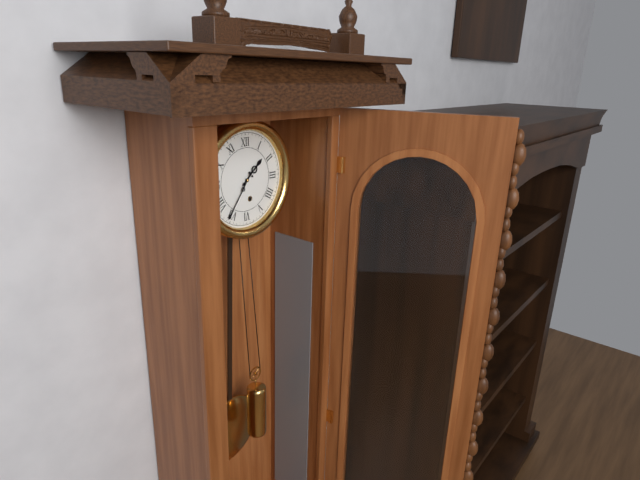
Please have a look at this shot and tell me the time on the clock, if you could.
1:36
